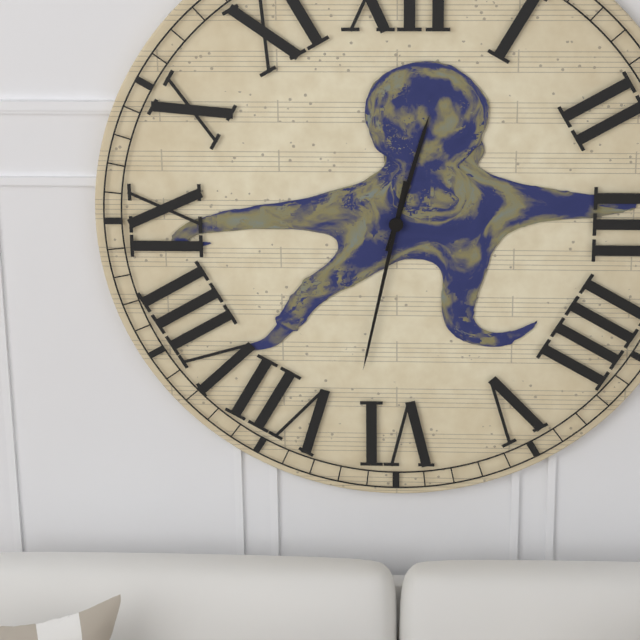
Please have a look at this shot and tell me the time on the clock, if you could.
12:32
